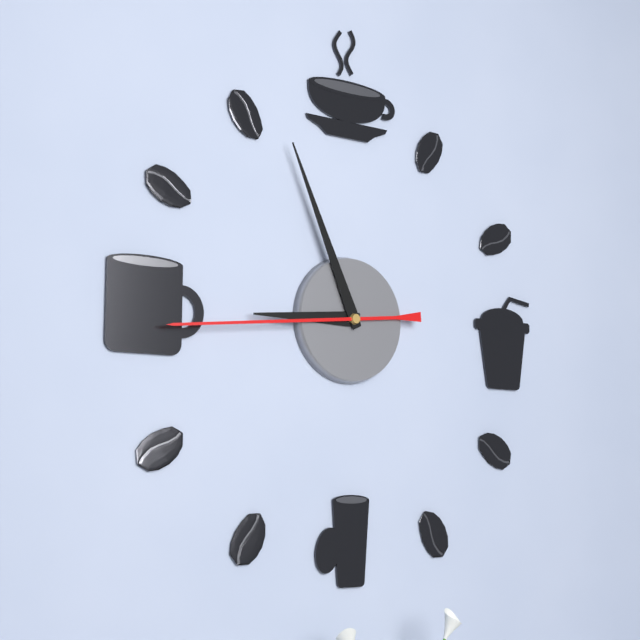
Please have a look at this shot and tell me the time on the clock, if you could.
8:56:44
